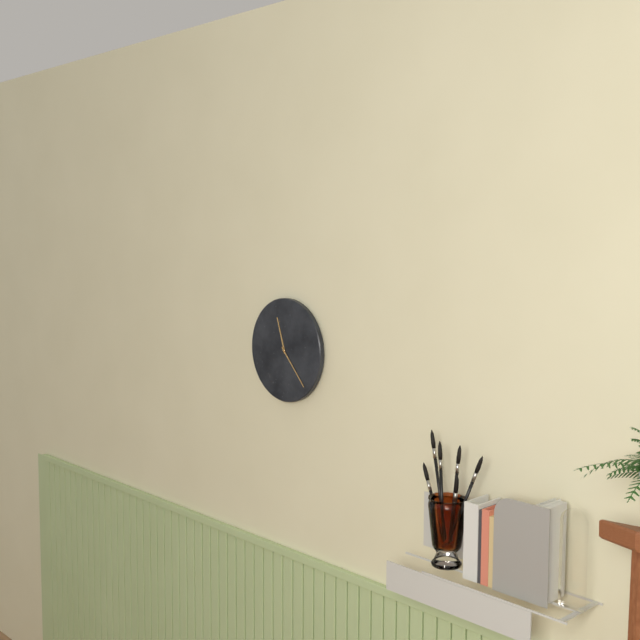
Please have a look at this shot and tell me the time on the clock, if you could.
11:23
